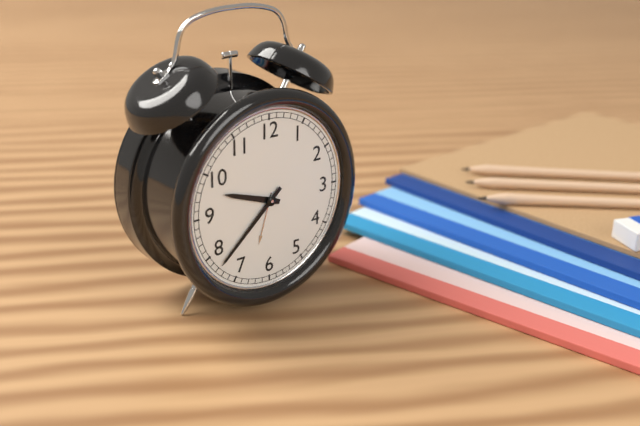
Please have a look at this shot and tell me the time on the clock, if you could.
9:38
